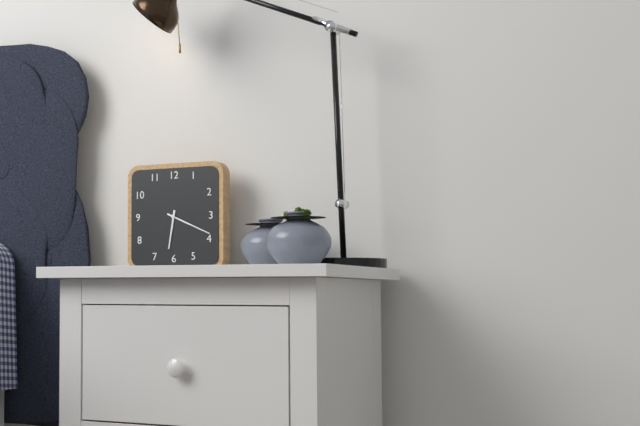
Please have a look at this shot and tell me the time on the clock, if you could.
6:19
